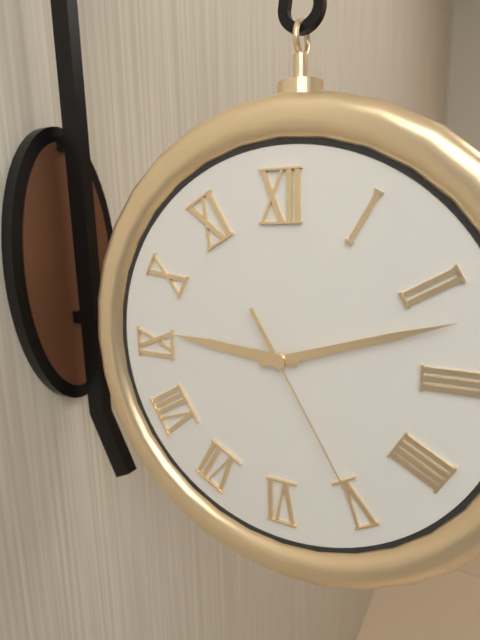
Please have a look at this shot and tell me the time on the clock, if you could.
9:12:25
